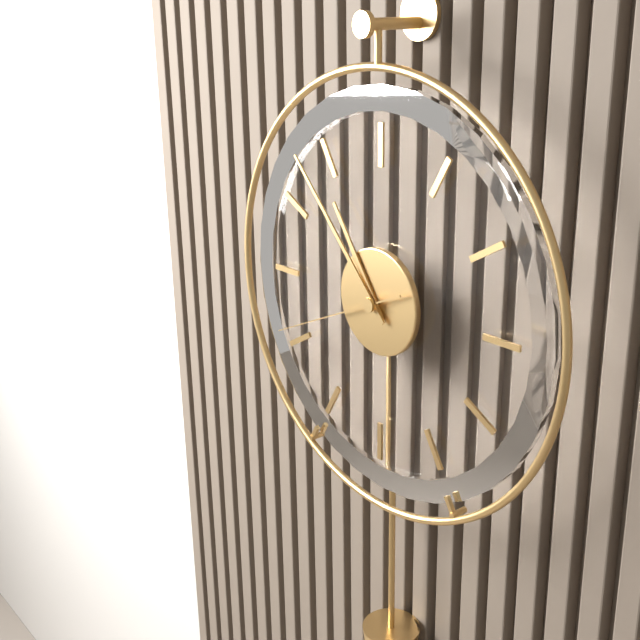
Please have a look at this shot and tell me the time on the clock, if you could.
10:53:41
